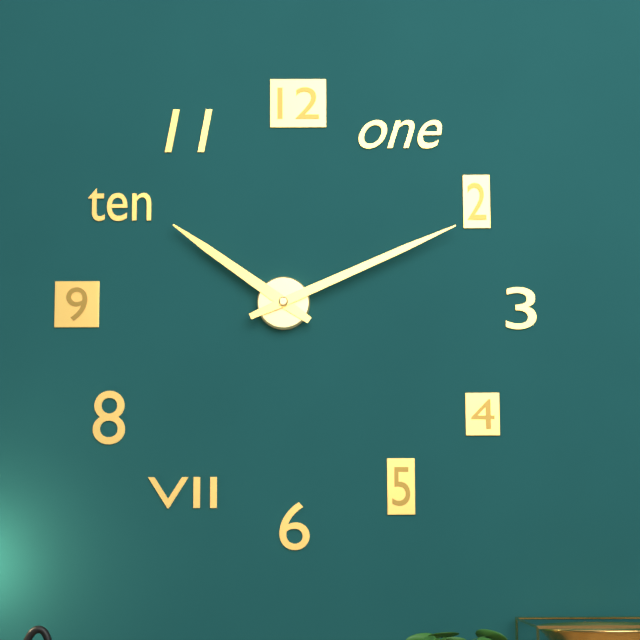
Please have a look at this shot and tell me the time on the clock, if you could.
10:11
